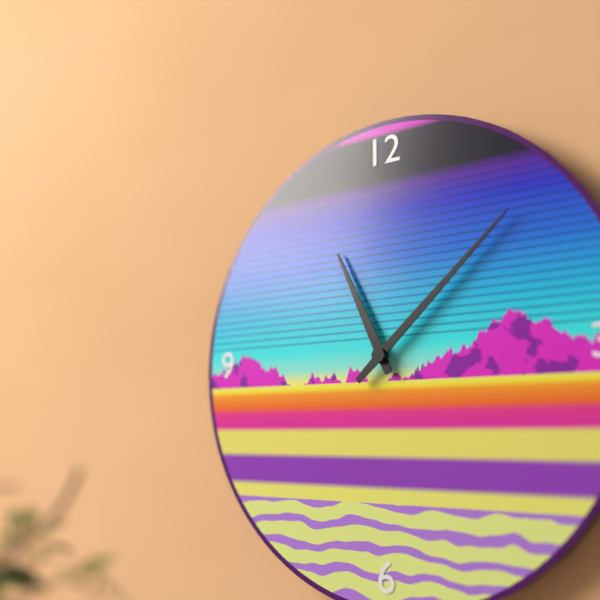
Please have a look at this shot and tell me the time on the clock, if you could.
11:08
